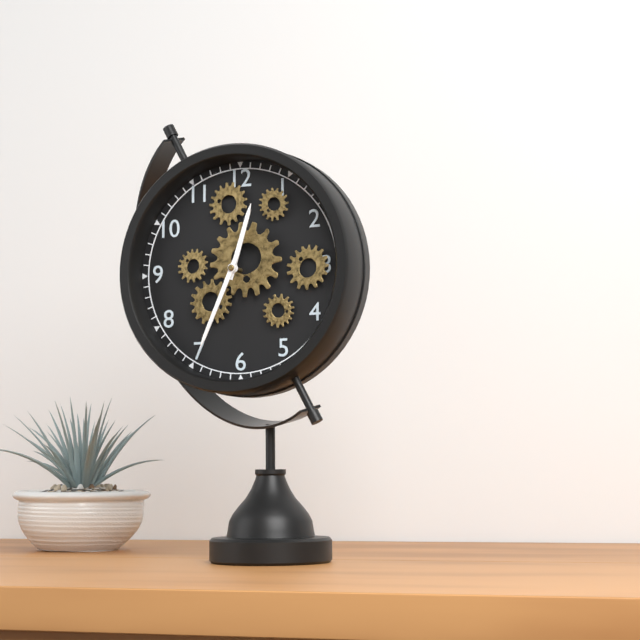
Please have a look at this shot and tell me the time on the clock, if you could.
12:34
